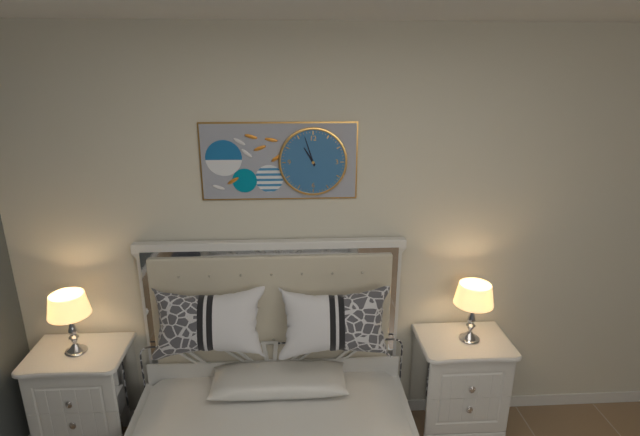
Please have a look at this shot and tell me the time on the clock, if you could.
10:57
